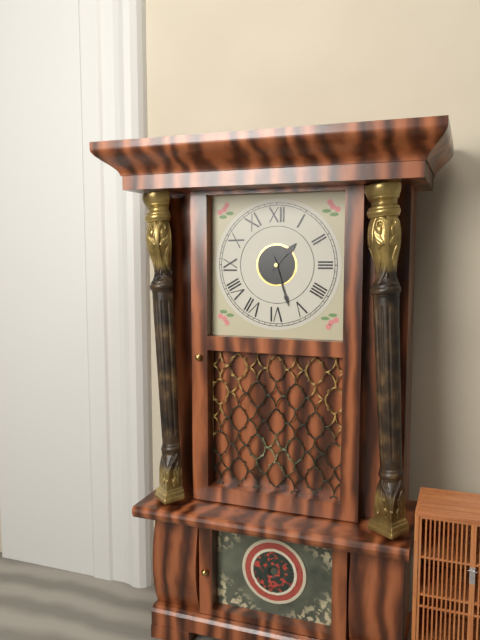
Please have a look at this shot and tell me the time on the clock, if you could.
1:27
